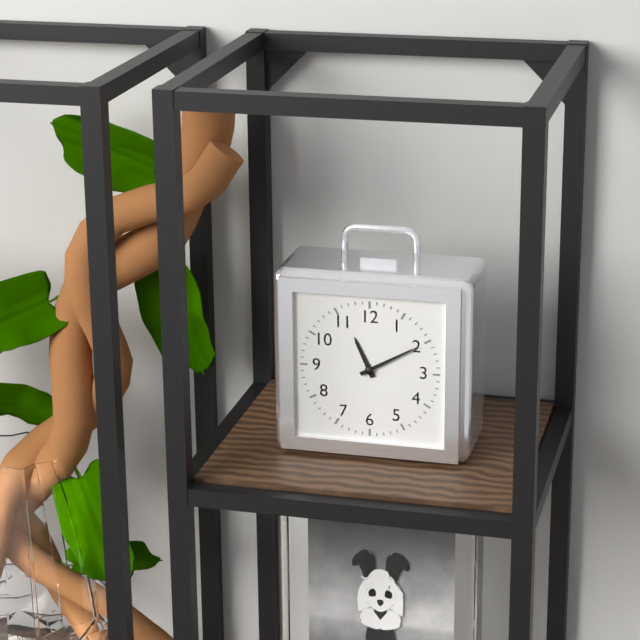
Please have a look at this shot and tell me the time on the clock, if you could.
11:10
